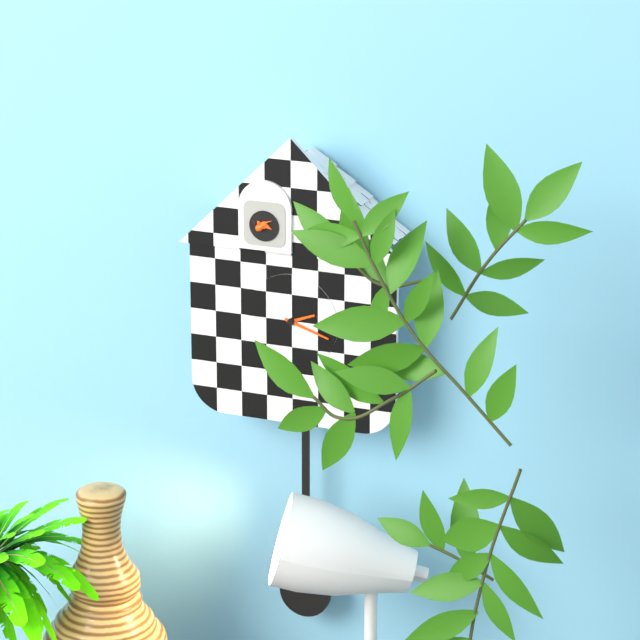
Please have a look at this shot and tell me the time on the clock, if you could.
2:18
